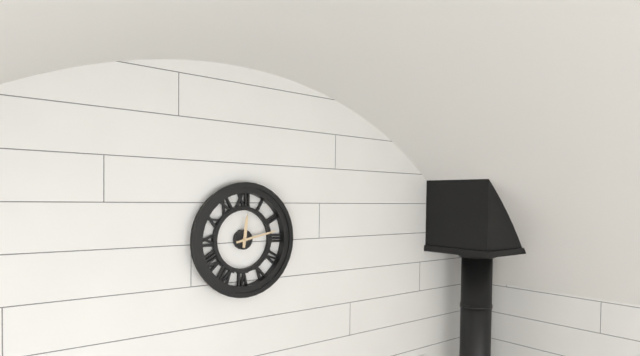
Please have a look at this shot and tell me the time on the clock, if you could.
12:13
